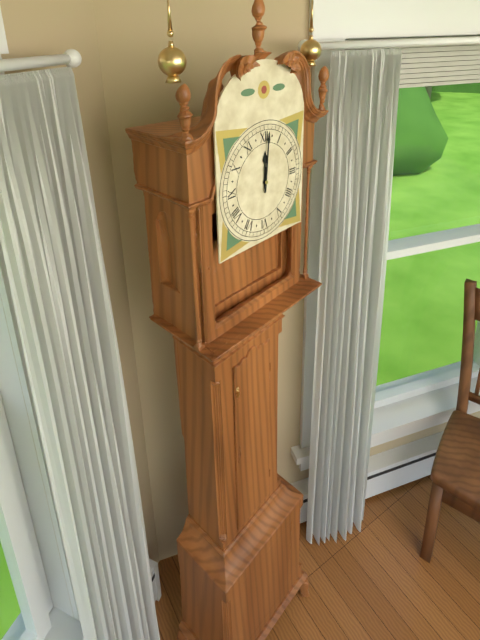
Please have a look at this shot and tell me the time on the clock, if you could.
12:01
